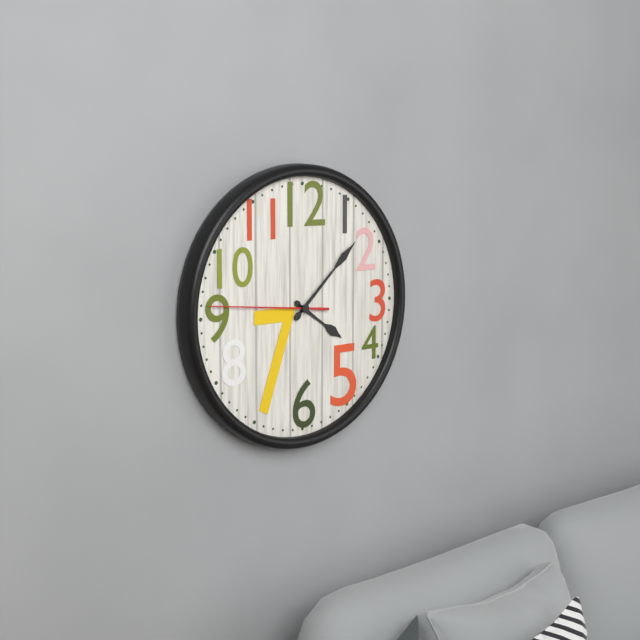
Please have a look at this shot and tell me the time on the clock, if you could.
4:08:46
